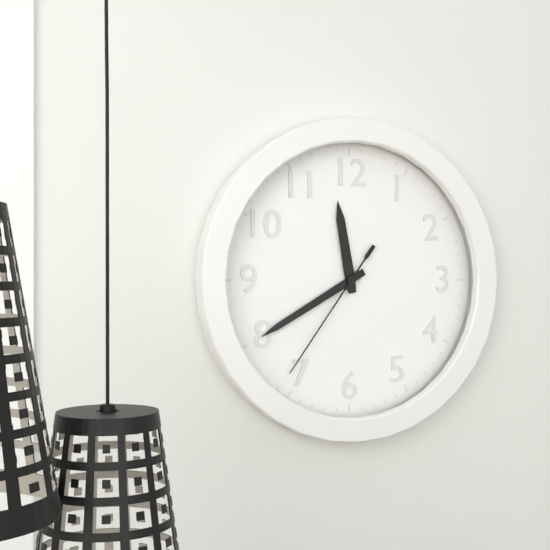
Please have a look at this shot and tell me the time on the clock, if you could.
11:40:36
